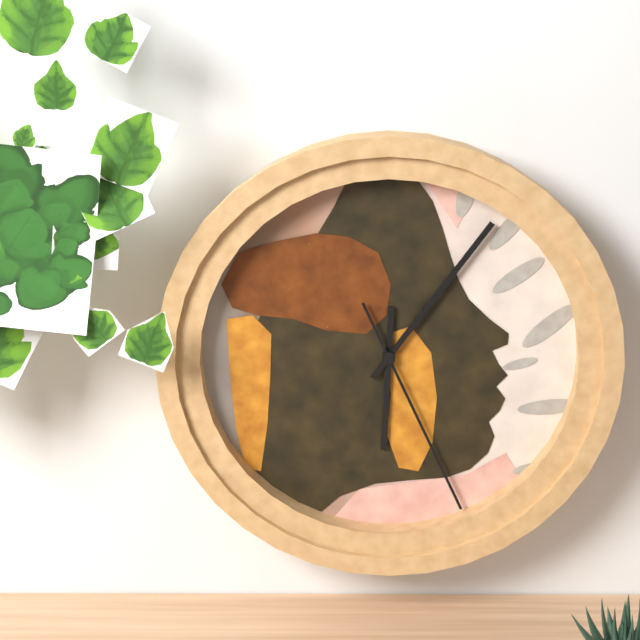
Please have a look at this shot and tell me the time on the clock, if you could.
6:06:26
